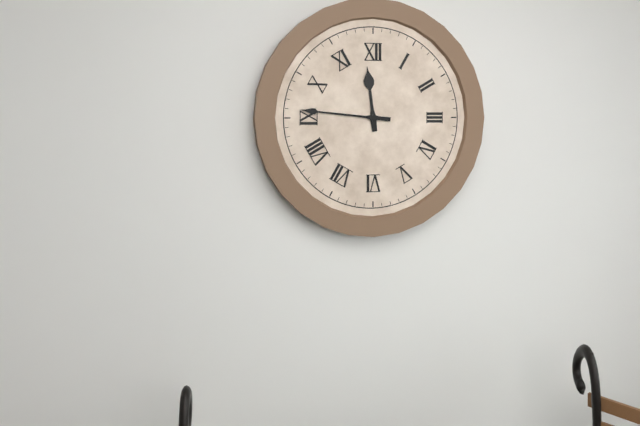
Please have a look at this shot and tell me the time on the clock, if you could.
11:46
